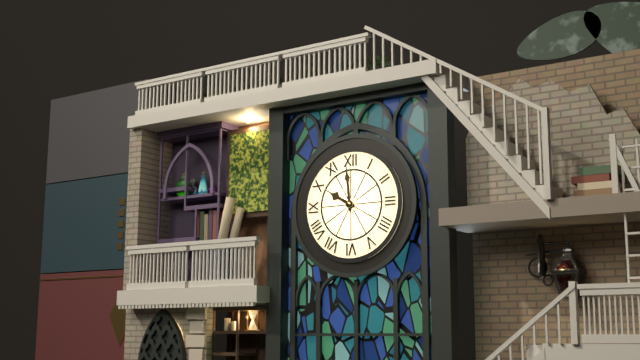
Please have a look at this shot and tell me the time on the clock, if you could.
9:59
